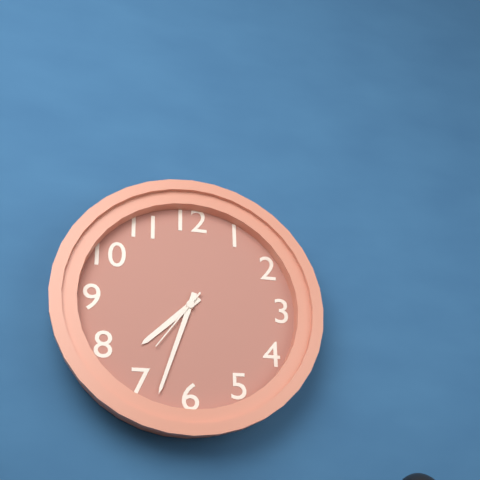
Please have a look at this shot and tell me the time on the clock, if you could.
7:33:36
